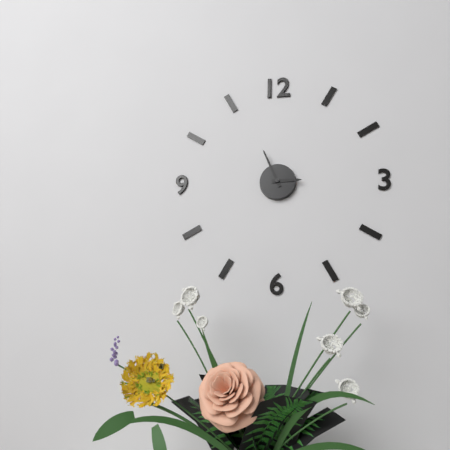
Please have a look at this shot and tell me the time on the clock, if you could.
2:56
